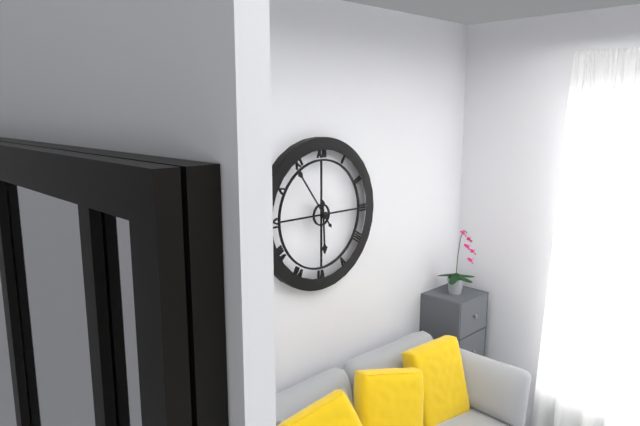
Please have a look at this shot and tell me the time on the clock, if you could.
5:54
